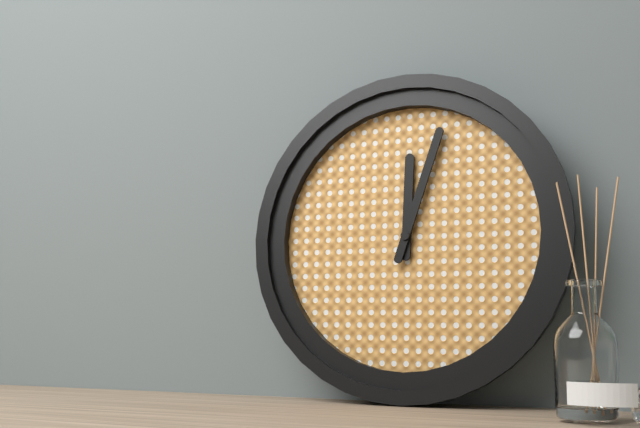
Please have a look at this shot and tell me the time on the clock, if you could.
12:03
